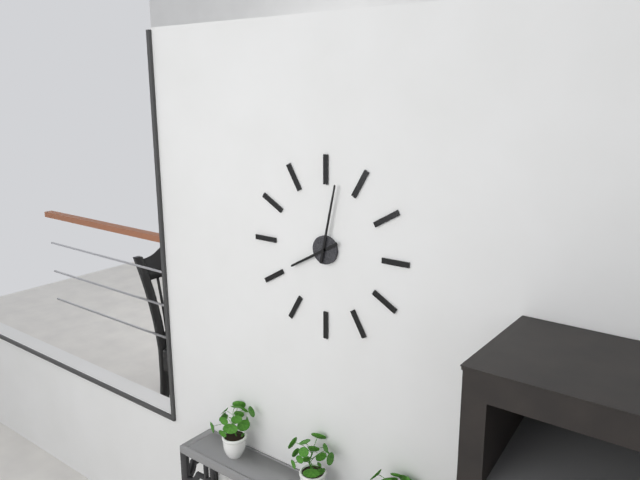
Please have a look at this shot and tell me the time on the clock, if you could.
8:02
